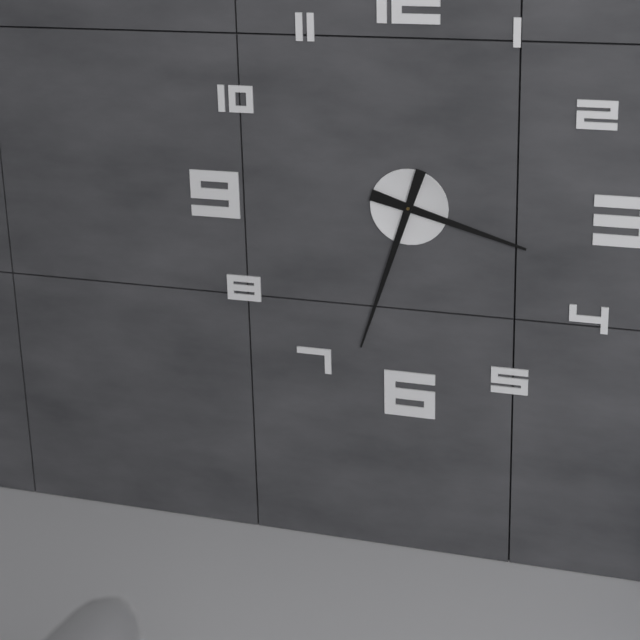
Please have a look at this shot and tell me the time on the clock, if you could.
3:33
